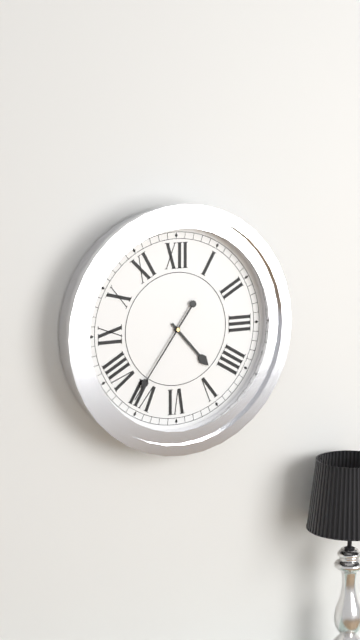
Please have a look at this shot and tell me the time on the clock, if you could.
4:36
